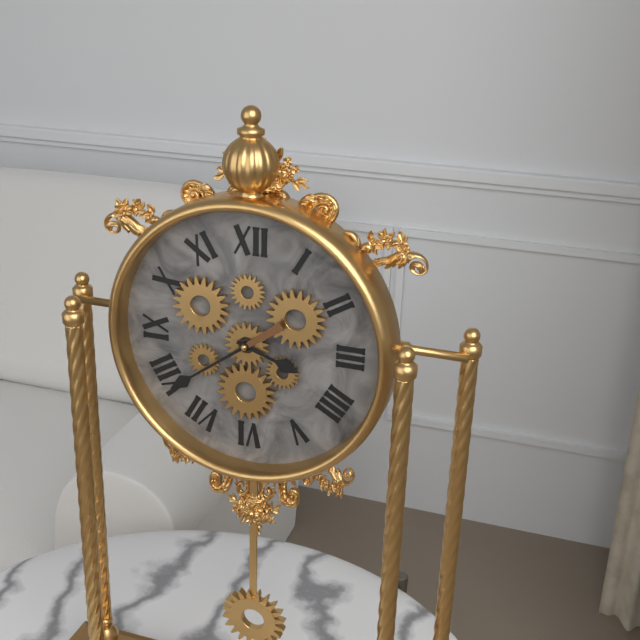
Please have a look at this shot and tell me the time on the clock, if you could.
3:39
